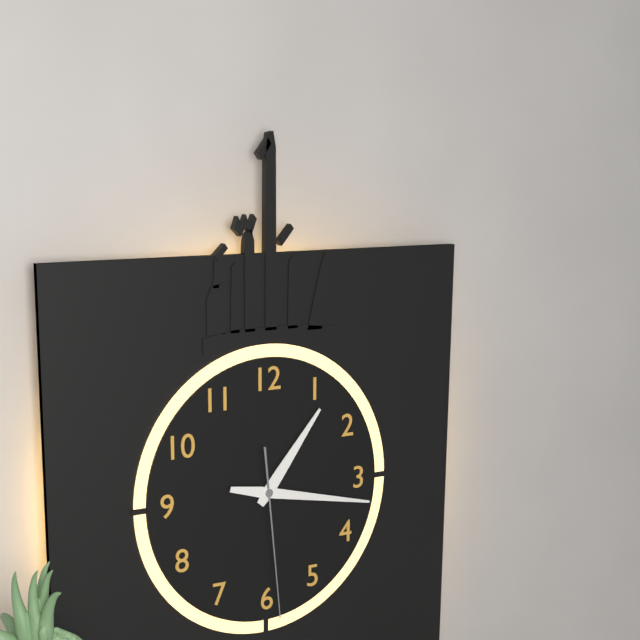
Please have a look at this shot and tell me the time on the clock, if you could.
1:17:29
